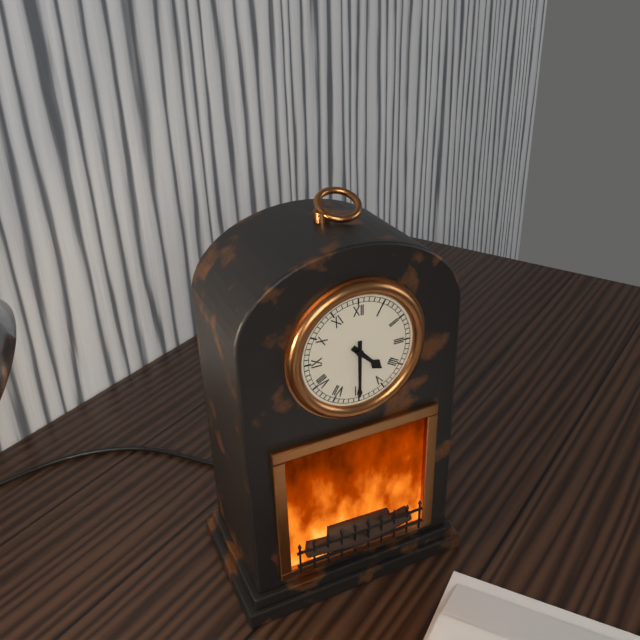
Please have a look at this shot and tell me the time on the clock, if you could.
4:30
